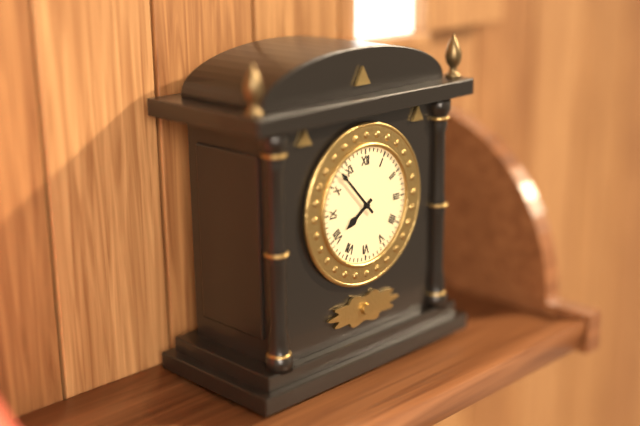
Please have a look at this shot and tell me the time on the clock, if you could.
7:53
